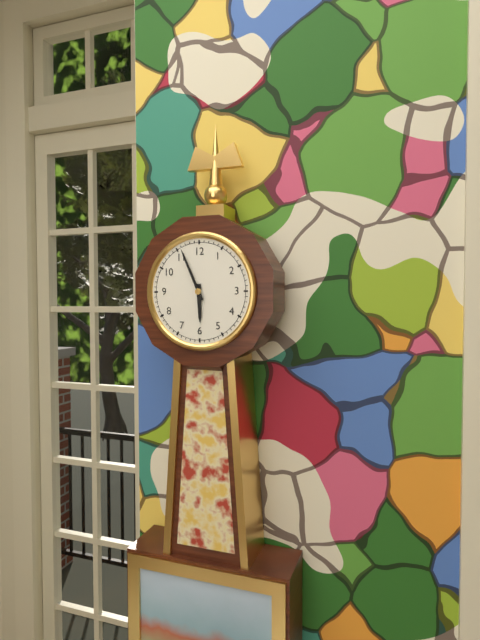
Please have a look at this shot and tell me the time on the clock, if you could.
5:56
